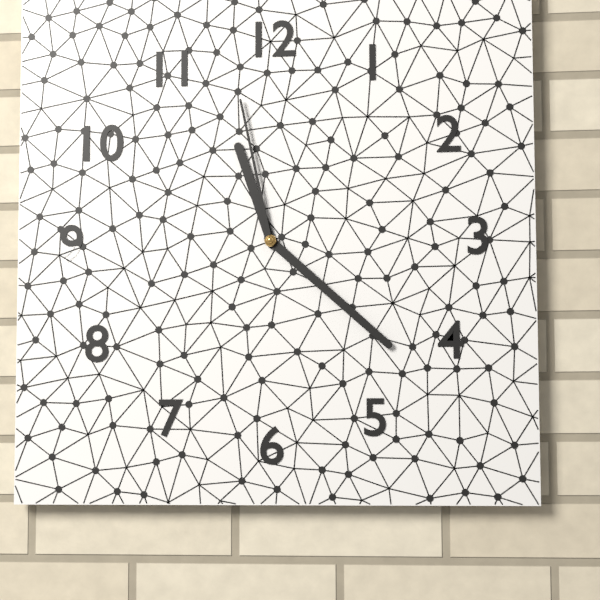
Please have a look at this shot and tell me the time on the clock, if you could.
11:22:58
